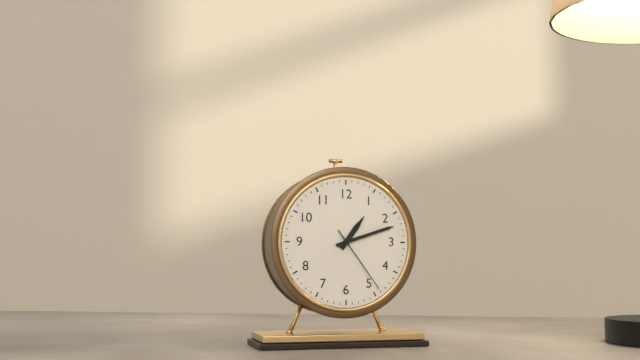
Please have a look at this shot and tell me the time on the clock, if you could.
1:12:24
